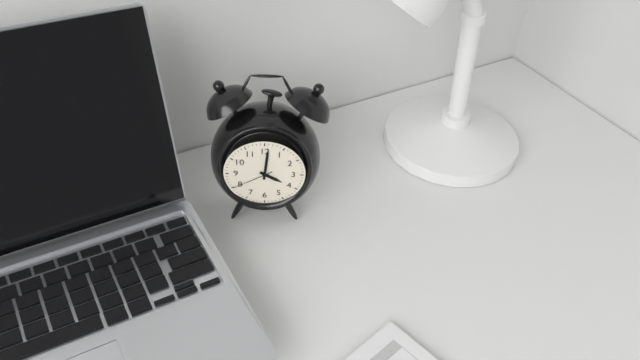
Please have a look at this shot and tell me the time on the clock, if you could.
4:01
